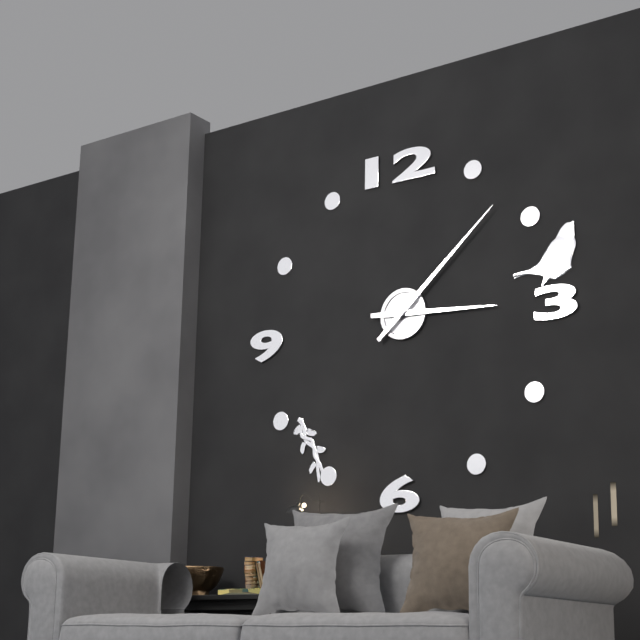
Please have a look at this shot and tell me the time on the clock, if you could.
3:08
